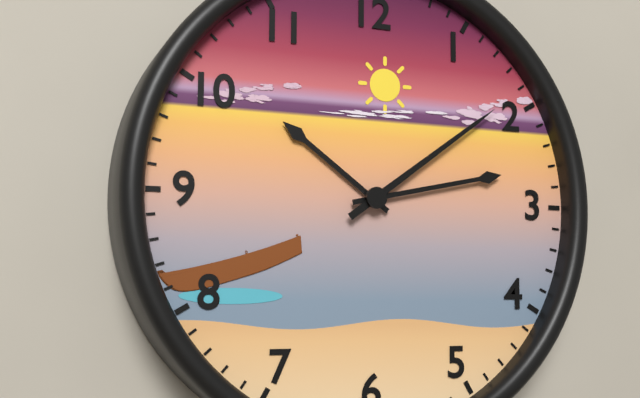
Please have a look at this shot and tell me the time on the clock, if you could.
10:13:09
